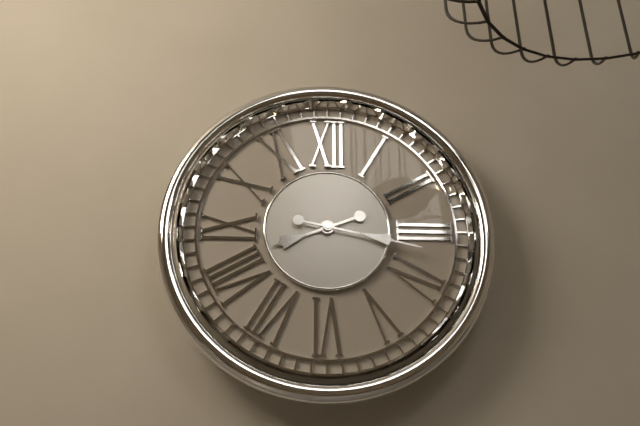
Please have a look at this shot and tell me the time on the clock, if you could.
8:17
